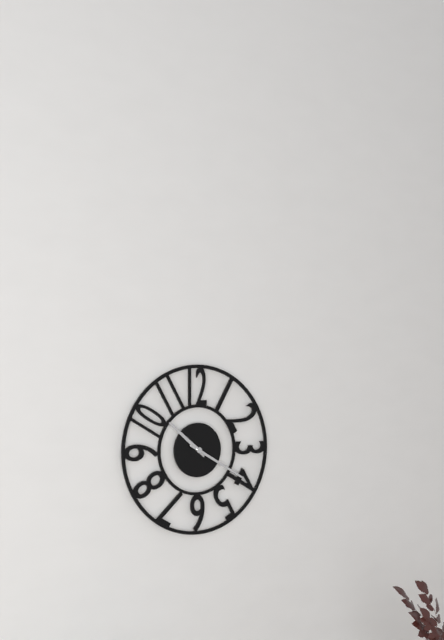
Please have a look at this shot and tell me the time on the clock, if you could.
10:20
